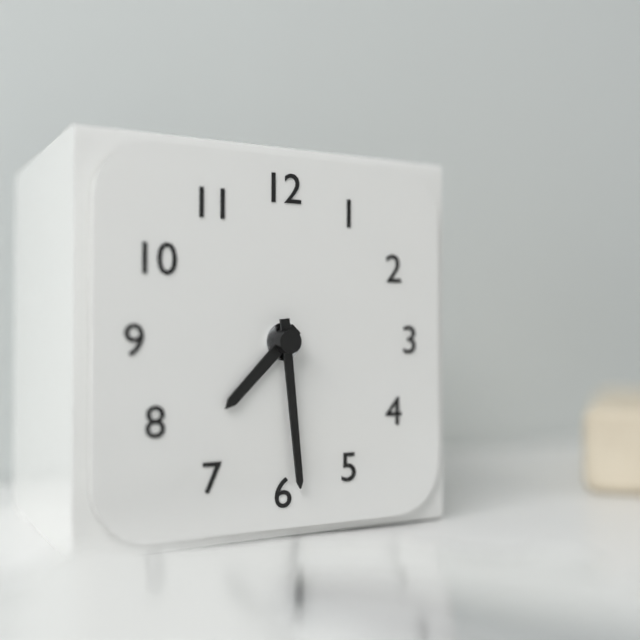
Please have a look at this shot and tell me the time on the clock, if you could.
7:29
